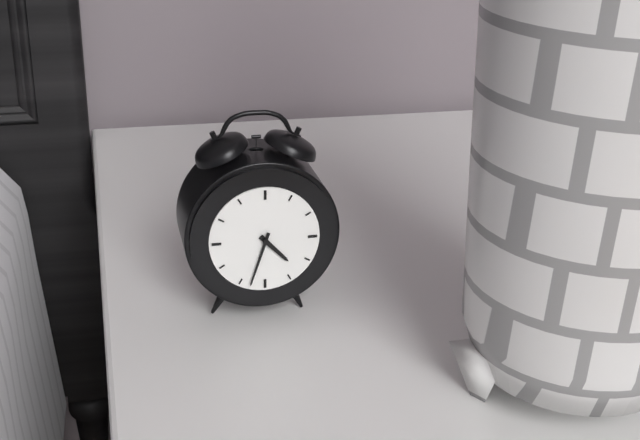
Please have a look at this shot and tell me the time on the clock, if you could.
4:33
